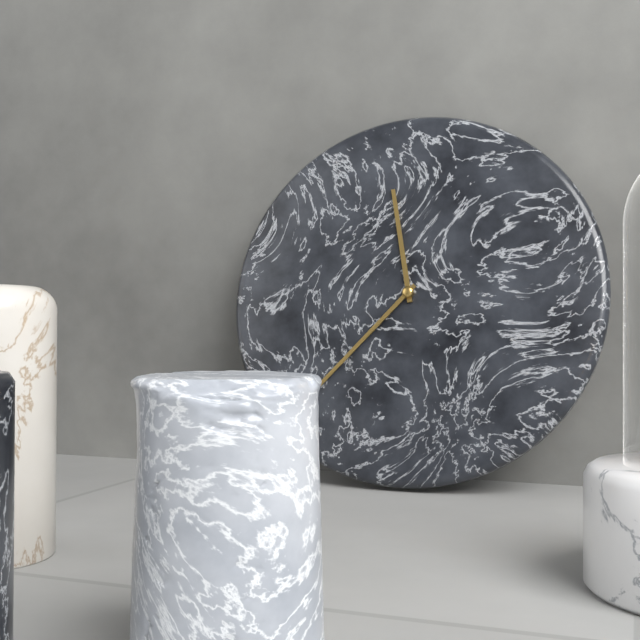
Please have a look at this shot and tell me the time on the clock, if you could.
11:37
